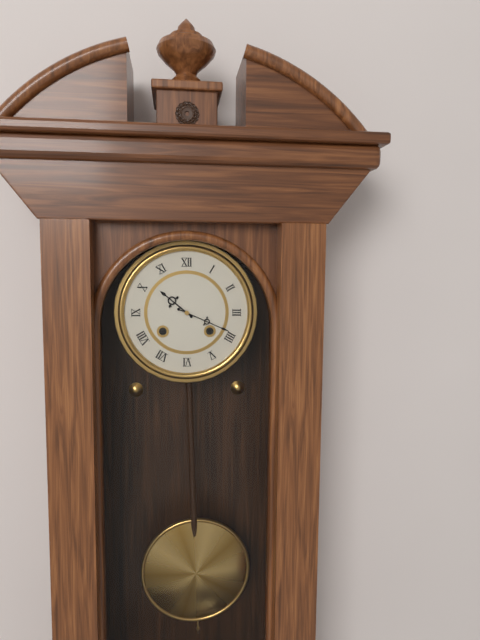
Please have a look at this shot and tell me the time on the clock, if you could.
10:19
